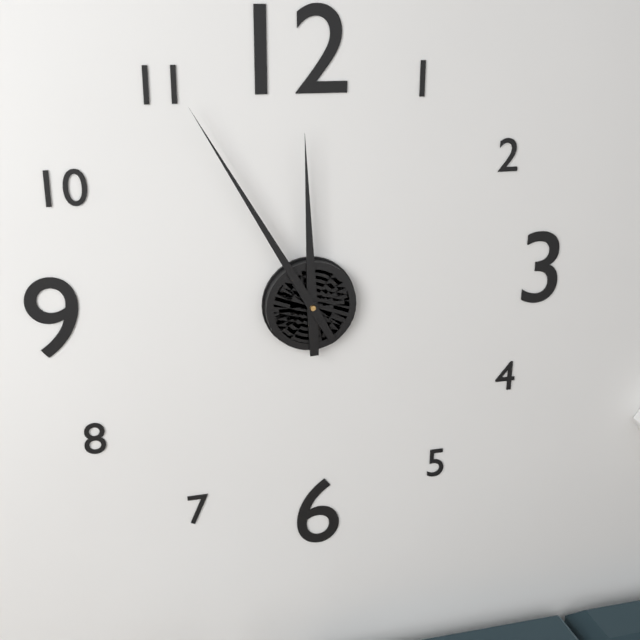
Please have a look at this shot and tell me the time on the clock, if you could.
11:55
